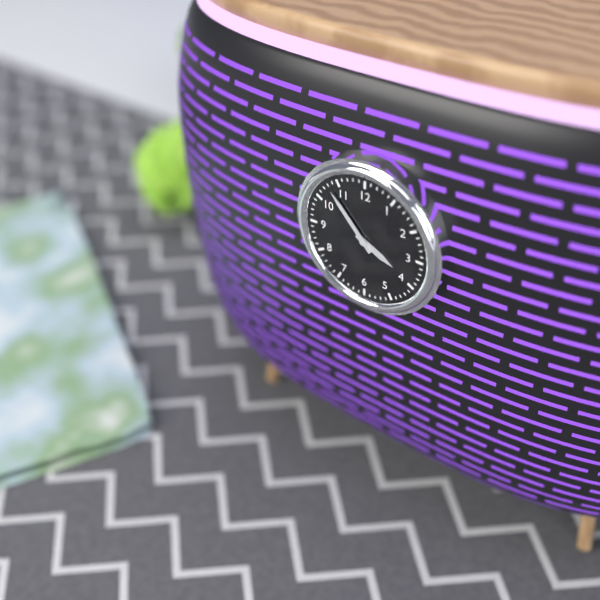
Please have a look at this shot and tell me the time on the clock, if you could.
3:53
